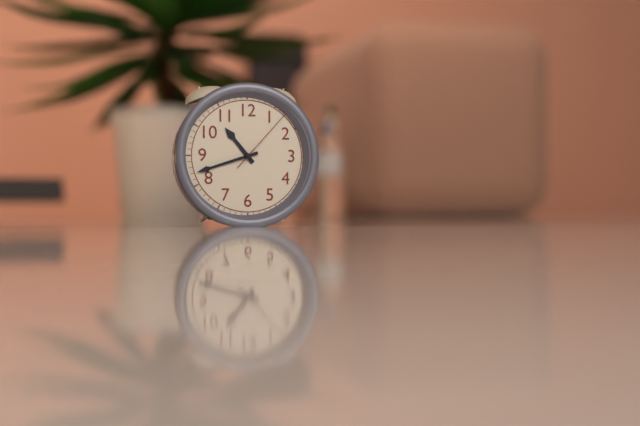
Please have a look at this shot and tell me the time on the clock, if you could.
10:42:07
